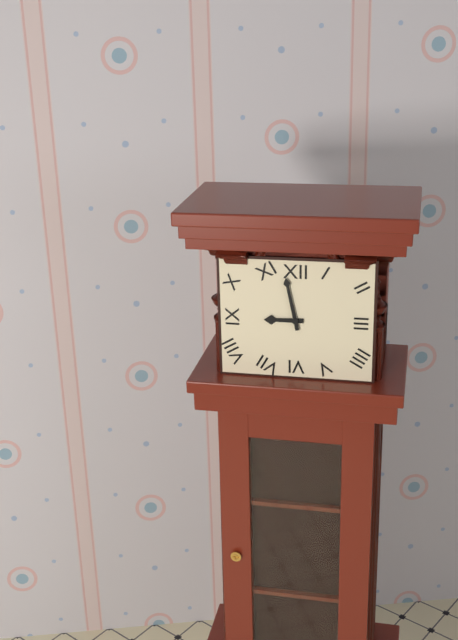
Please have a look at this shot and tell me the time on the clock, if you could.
8:58
